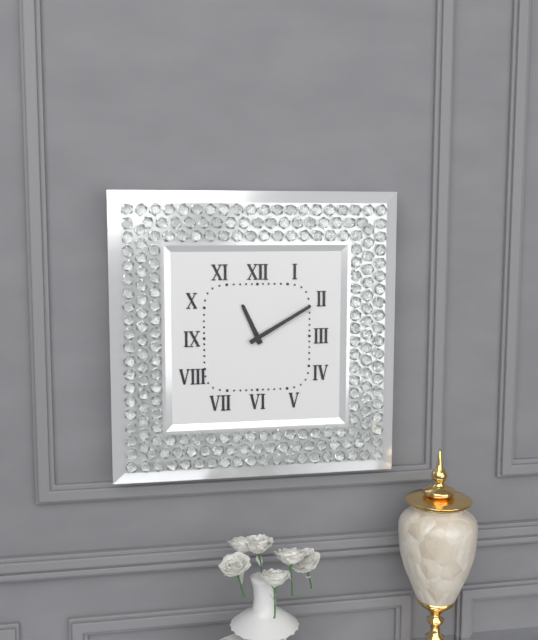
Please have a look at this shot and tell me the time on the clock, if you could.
11:10
